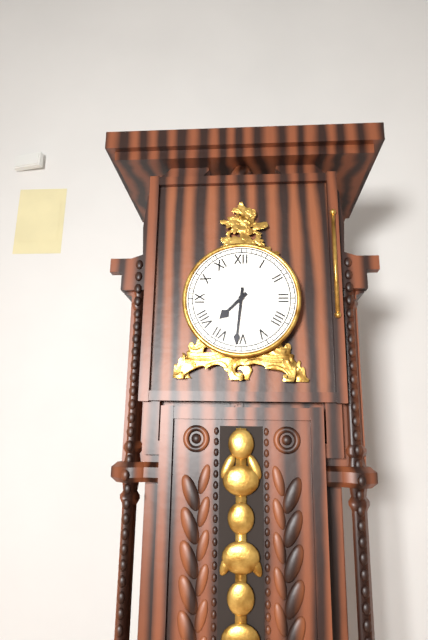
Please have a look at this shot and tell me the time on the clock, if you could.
7:31
